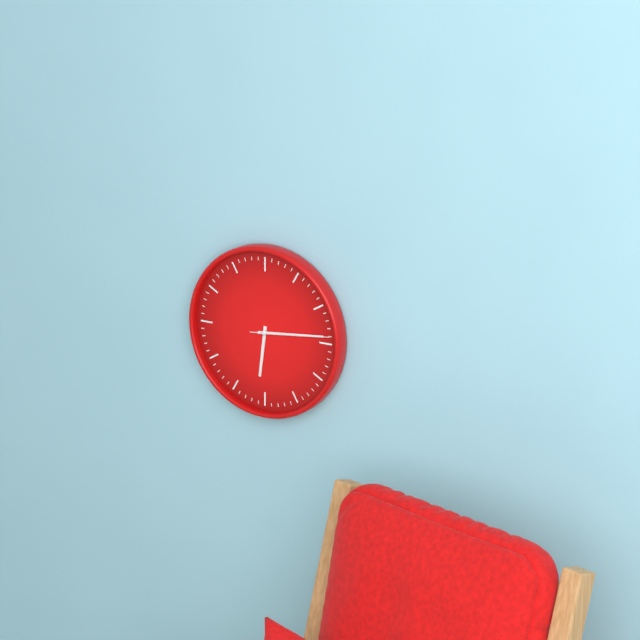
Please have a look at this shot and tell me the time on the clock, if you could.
6:14:14
